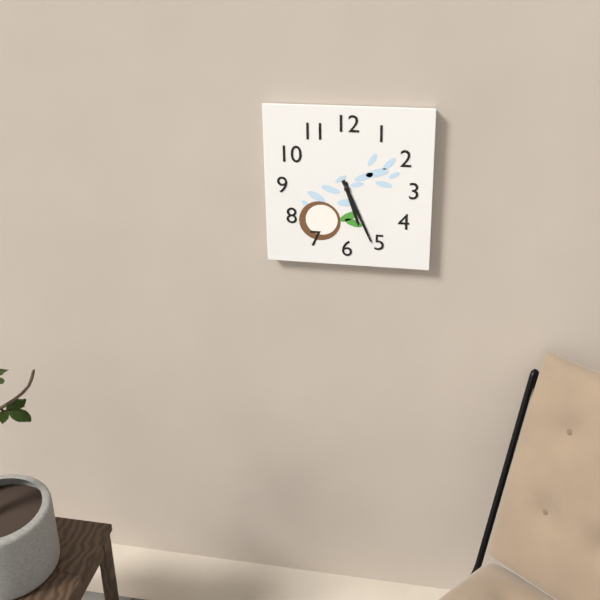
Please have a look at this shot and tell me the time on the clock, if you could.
5:26
